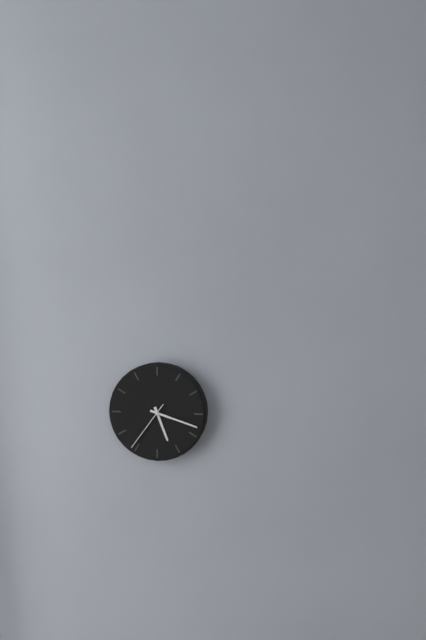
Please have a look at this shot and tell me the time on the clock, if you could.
5:18:36
